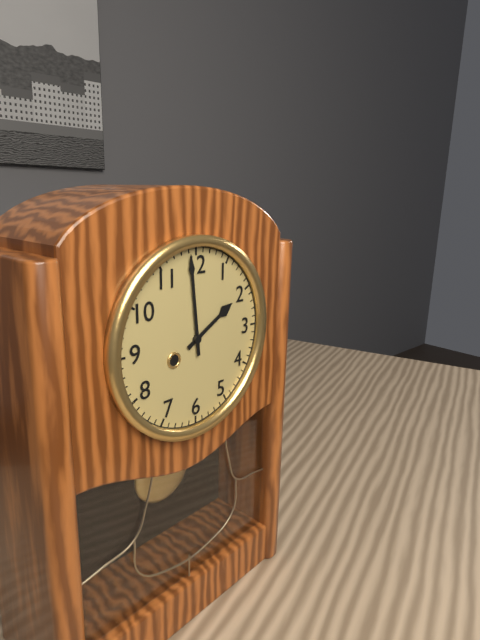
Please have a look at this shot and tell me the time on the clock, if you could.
1:59
